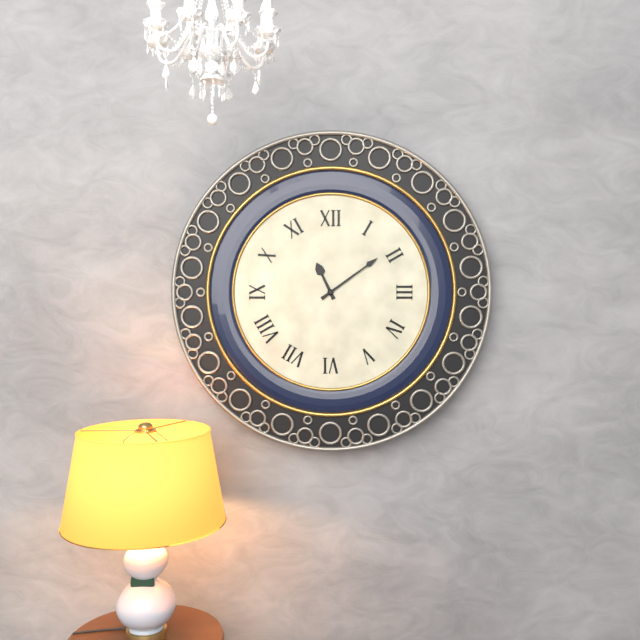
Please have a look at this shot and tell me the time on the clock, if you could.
11:09
